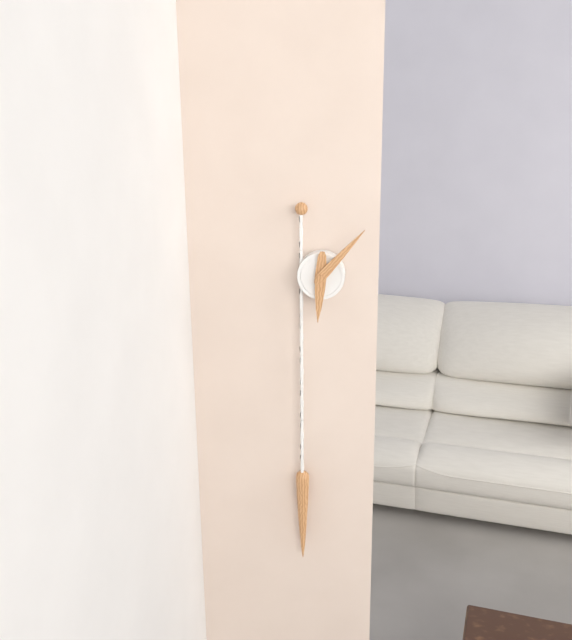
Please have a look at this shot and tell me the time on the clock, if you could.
6:07
